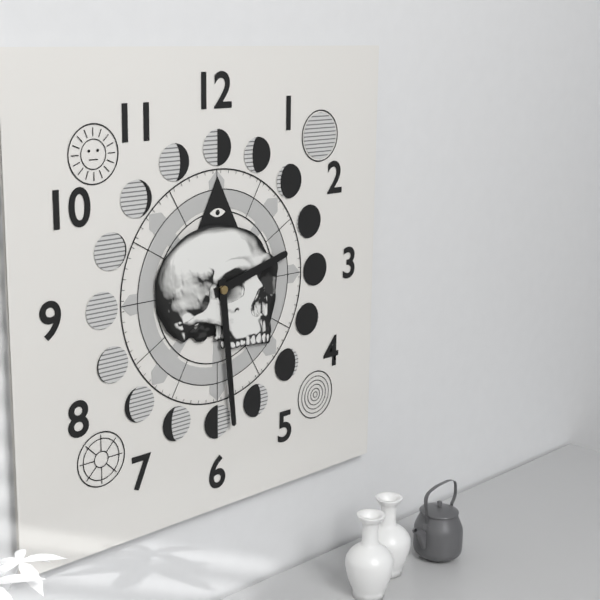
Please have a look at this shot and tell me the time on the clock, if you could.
2:29
